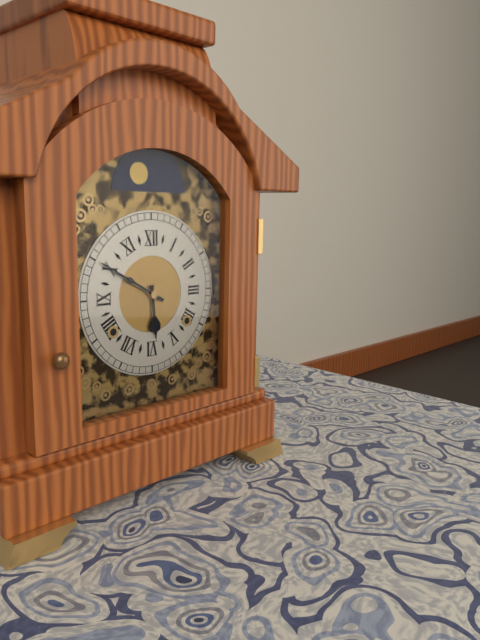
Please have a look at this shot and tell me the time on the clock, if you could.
5:50
